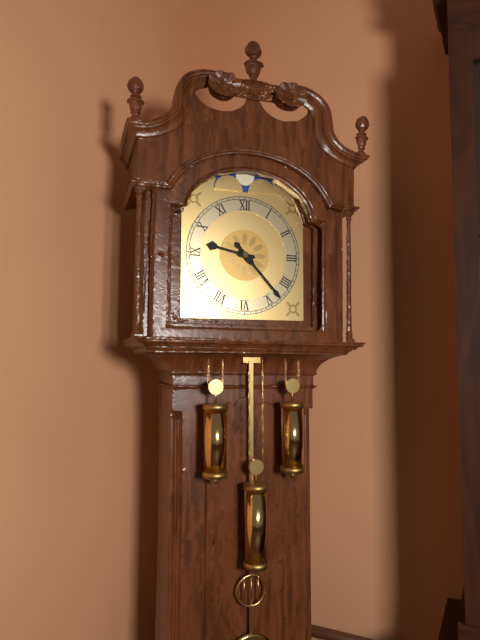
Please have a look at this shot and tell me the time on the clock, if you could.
9:23
